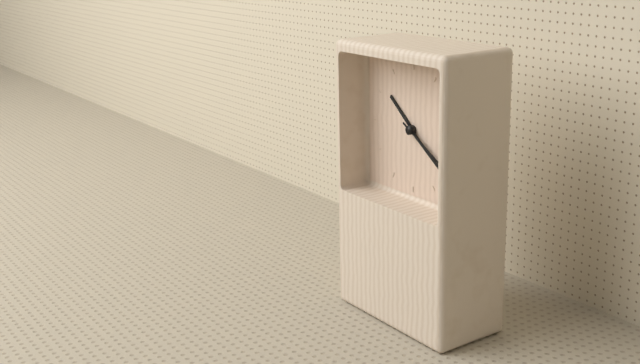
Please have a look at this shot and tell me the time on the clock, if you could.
10:21:20
